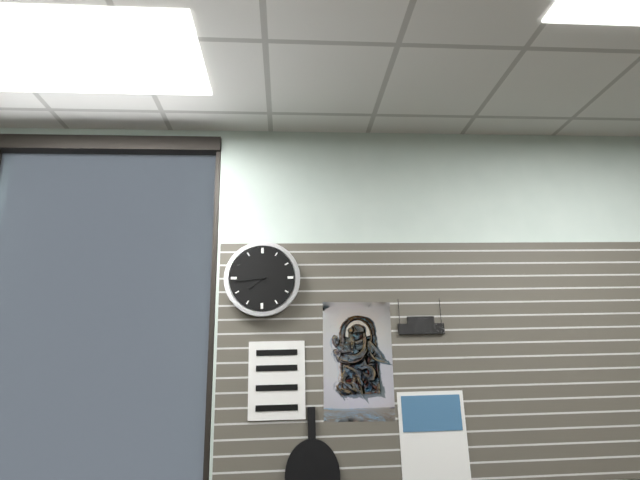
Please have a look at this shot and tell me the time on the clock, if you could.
7:44
